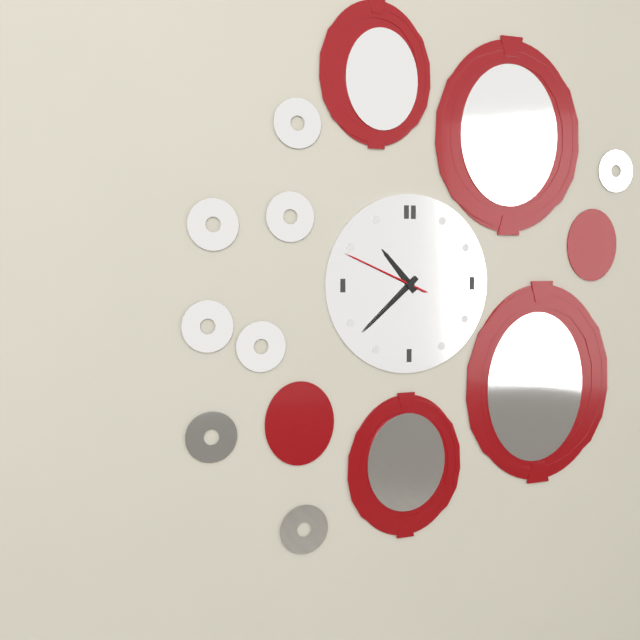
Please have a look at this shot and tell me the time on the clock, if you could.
10:38:49
